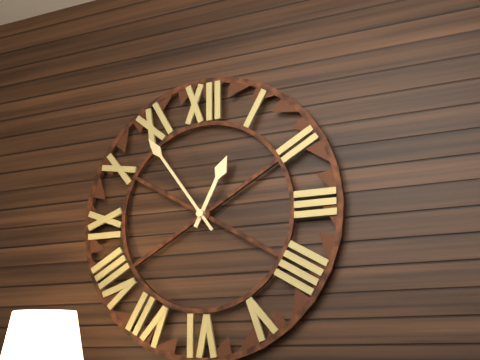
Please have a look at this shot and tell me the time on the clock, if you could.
12:54
